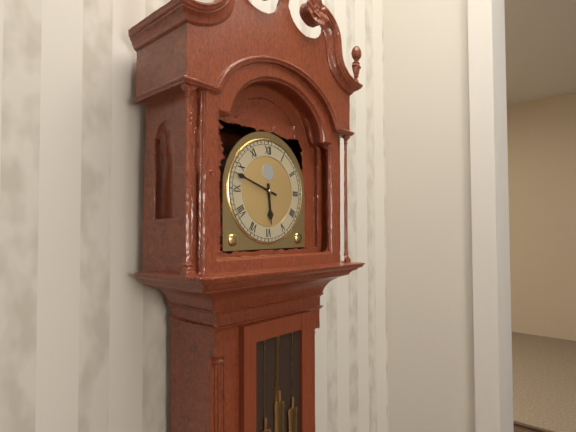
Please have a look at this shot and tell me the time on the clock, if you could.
5:48
